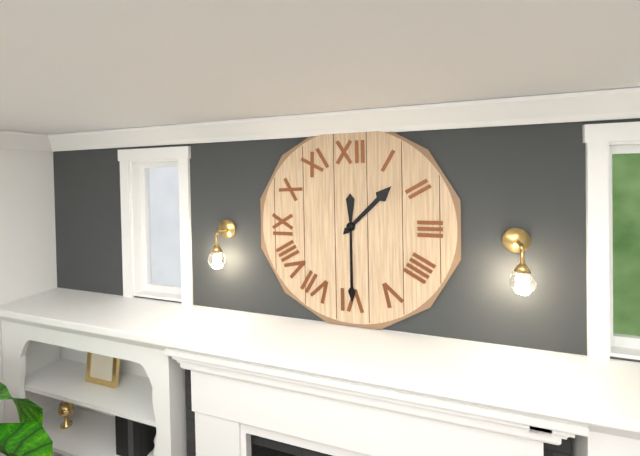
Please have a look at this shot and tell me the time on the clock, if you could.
1:30
